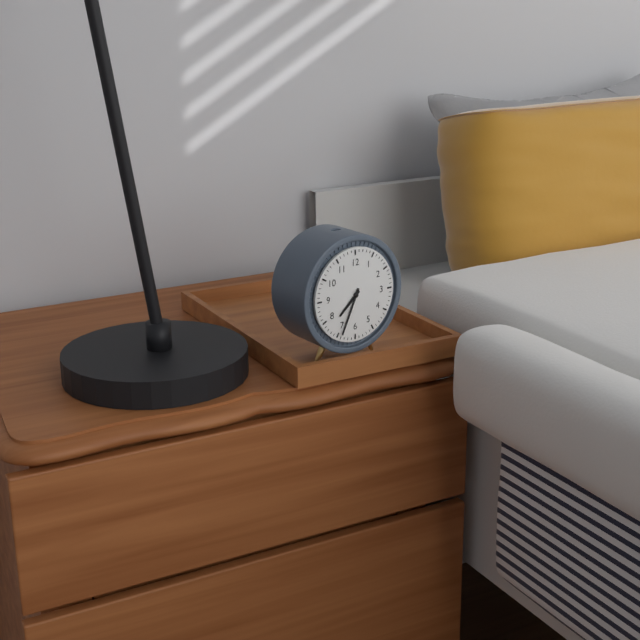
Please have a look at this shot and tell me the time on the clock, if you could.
7:34
